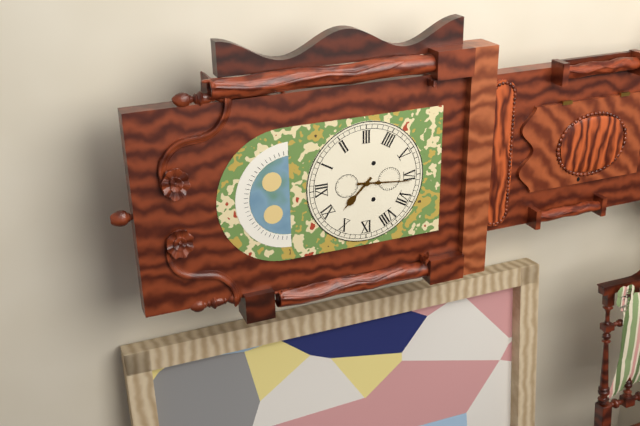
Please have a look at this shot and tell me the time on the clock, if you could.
10:31
